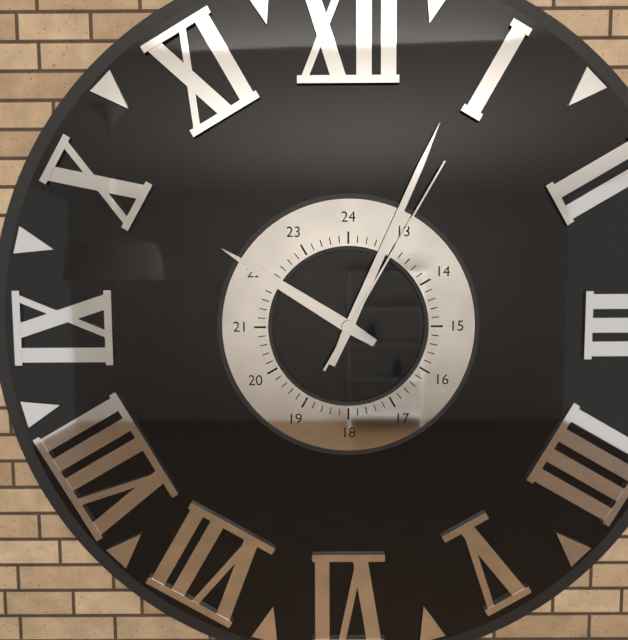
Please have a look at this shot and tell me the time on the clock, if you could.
10:04:05
